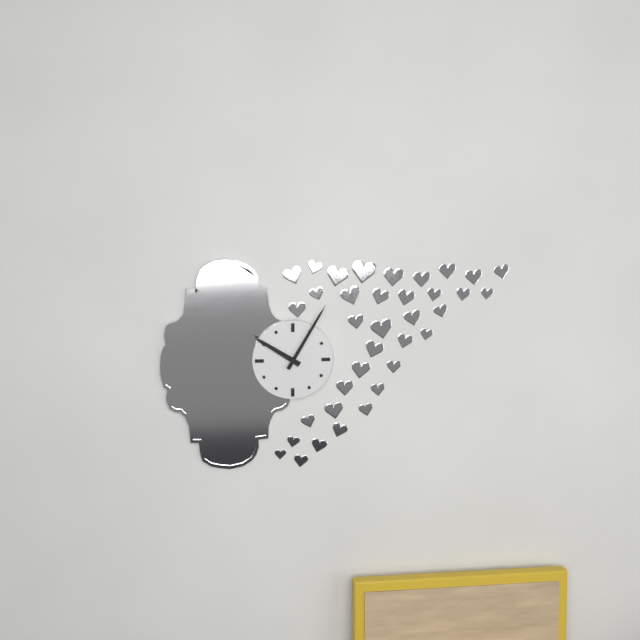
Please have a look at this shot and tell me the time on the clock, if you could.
10:05
